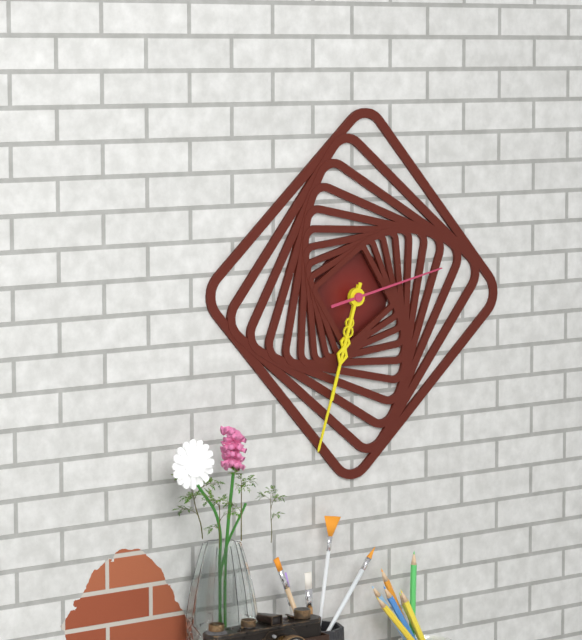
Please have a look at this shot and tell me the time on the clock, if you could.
6:33:13
